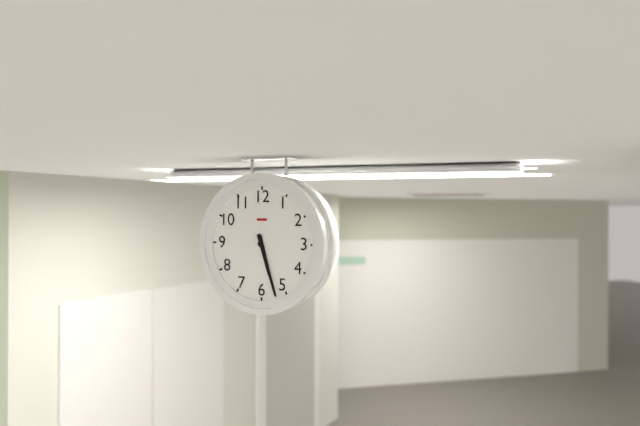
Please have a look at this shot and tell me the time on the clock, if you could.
5:27
